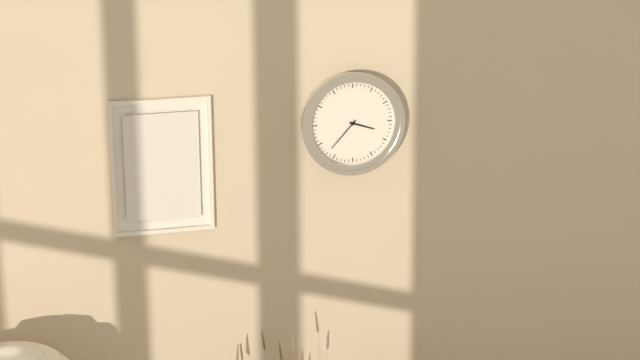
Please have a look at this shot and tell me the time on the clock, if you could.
3:37
